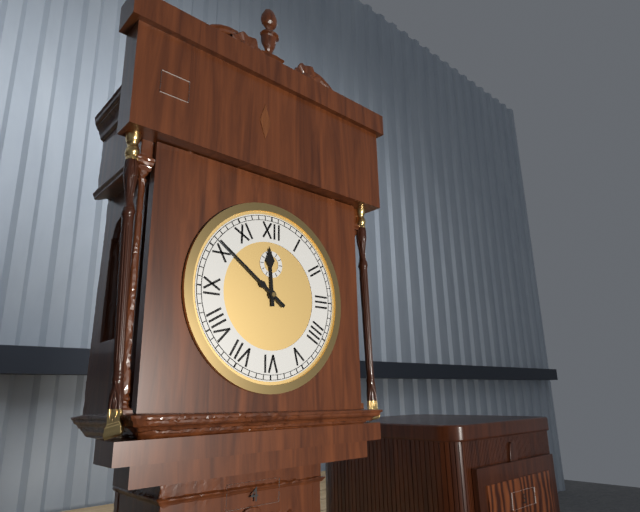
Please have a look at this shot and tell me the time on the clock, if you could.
11:51
